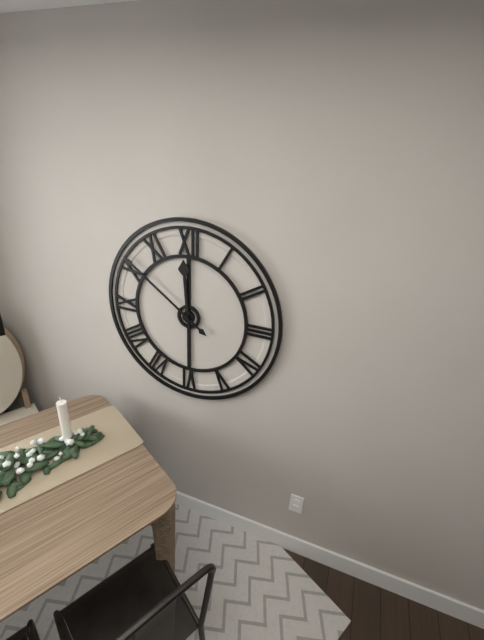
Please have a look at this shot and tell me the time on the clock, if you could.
11:51
